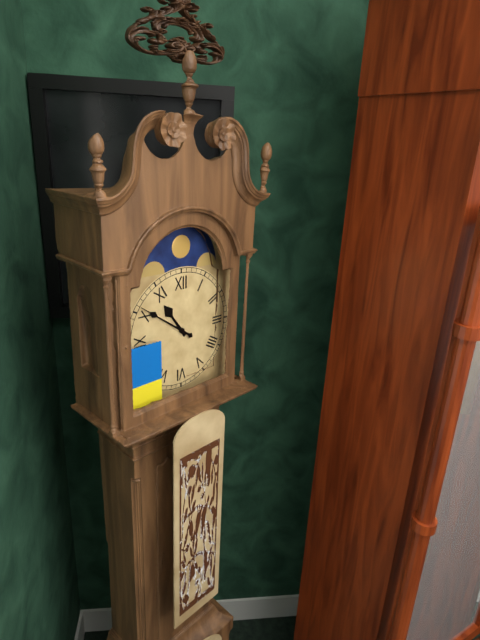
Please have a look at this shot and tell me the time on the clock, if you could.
10:51
